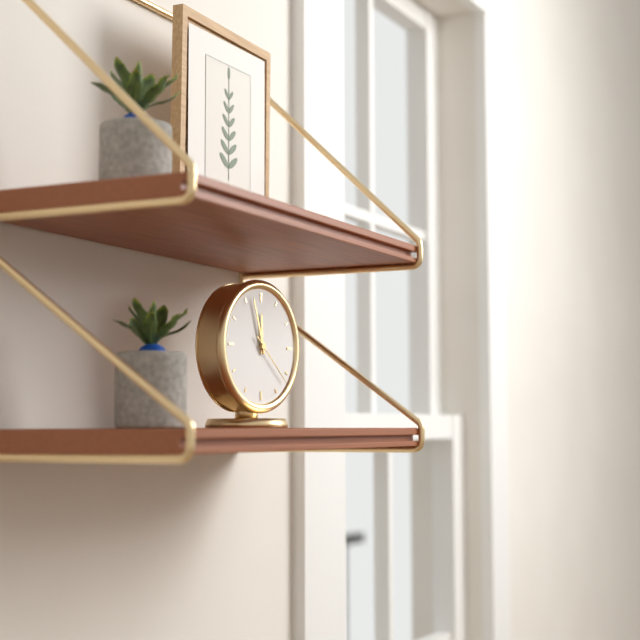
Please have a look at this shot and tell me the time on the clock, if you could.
11:57:22
